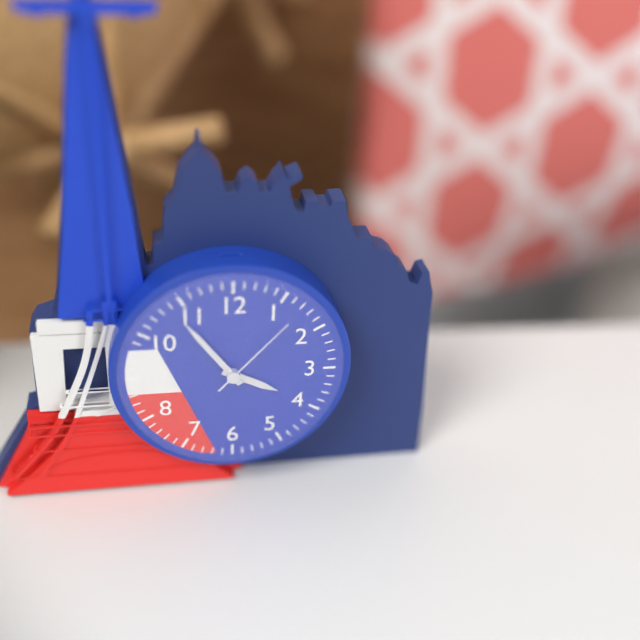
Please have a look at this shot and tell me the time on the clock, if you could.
3:54:07
